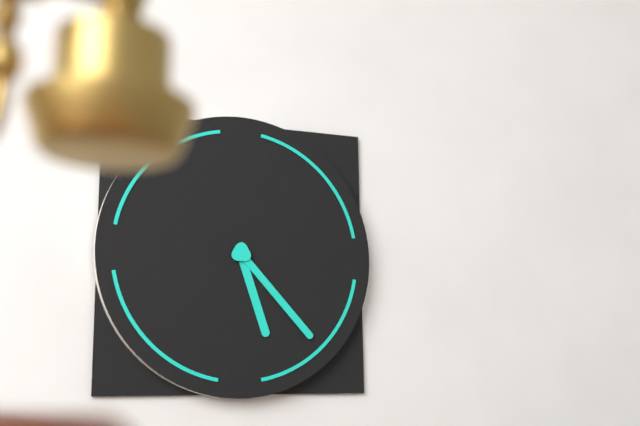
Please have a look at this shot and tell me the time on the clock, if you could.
5:23
